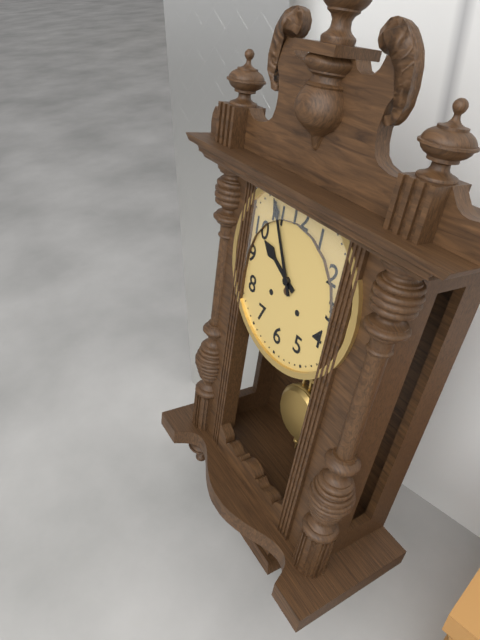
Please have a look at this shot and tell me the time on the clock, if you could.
9:55
